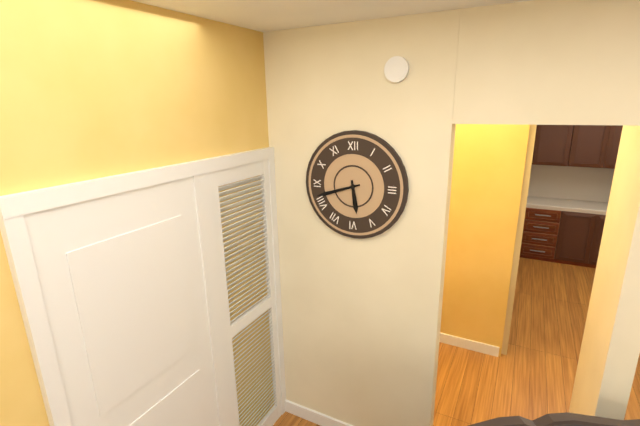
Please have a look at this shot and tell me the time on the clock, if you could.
5:42
